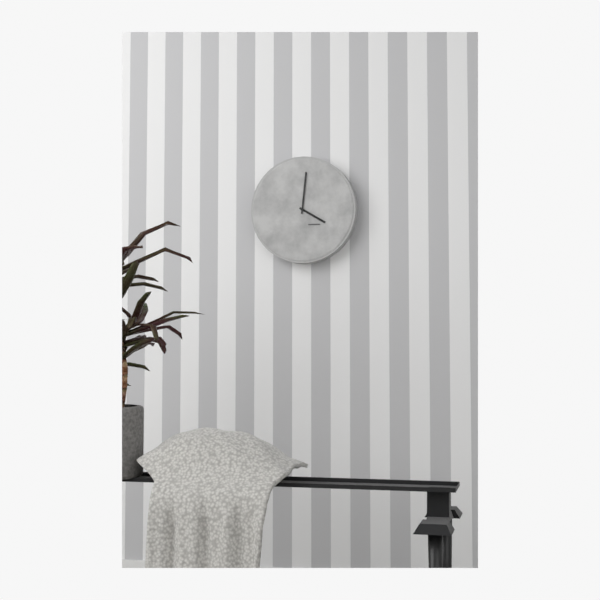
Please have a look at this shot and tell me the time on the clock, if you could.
4:01
